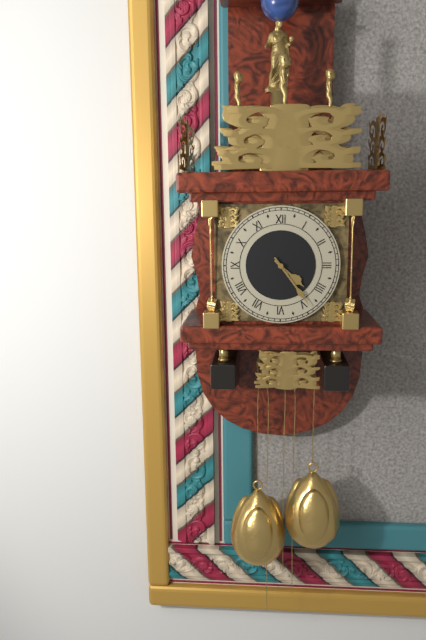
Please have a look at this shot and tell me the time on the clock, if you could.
4:24
